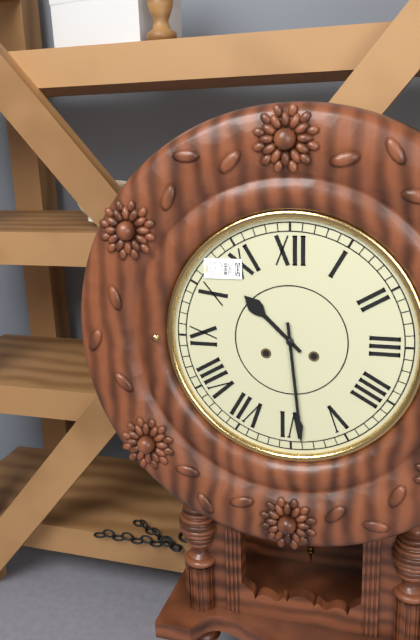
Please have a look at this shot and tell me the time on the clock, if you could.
10:29
